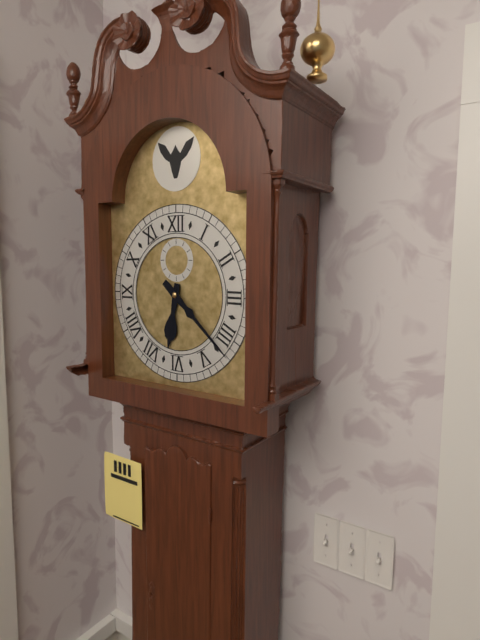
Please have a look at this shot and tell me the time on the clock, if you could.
6:22
